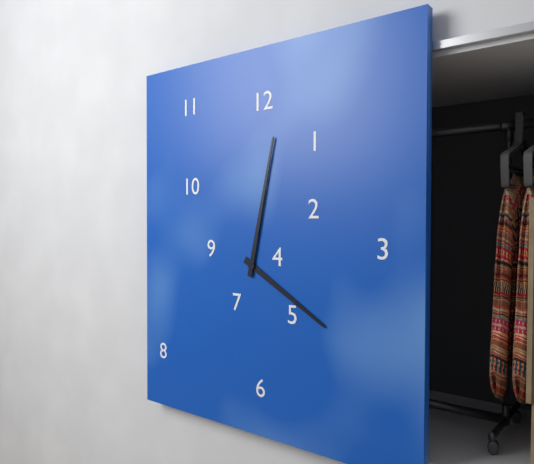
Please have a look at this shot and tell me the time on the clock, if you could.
4:02
